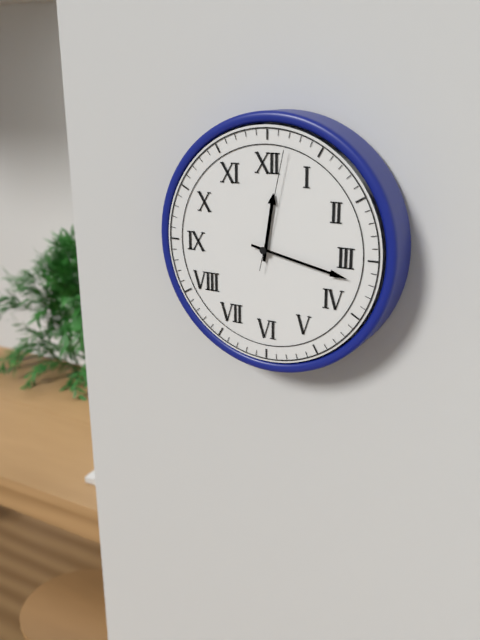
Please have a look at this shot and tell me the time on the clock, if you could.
12:17:02
